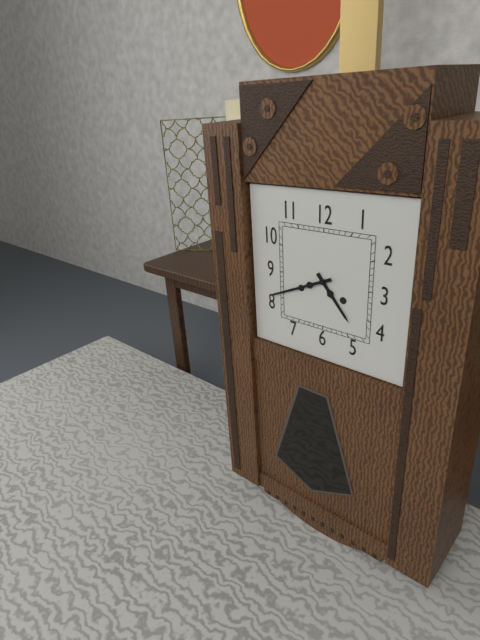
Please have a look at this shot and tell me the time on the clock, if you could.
4:41
